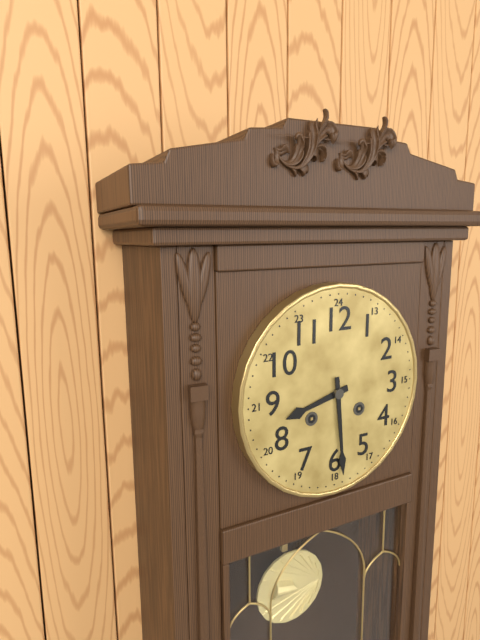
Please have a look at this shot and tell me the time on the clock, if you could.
8:29
